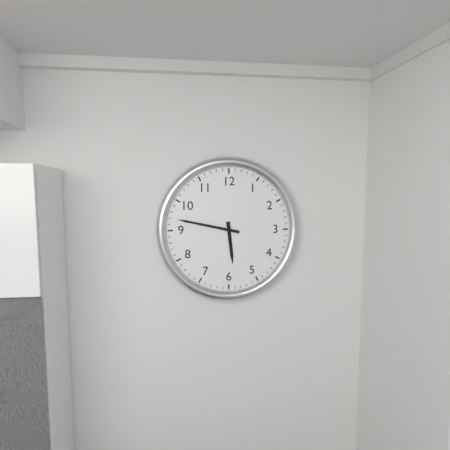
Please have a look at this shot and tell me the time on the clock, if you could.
5:47
